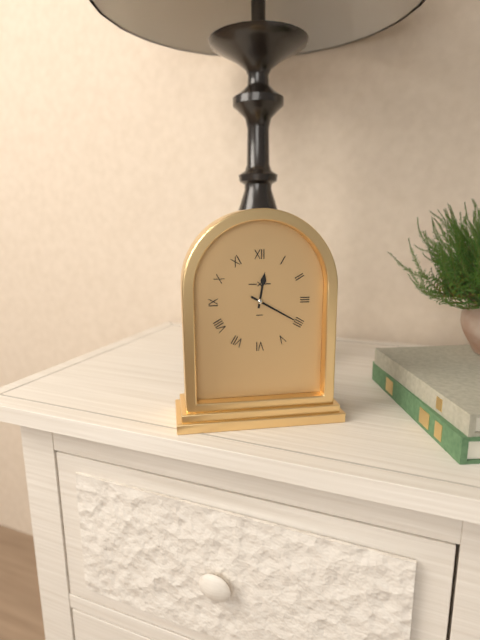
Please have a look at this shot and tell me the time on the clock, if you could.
12:20
